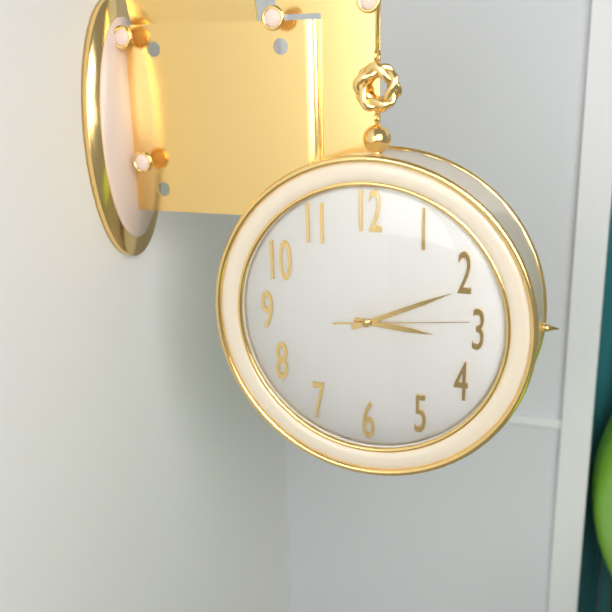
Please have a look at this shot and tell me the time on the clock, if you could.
3:11:14
